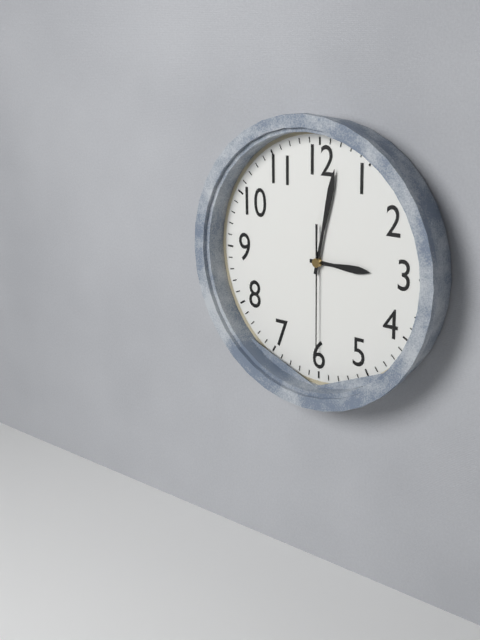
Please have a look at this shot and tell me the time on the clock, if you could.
3:02:30
